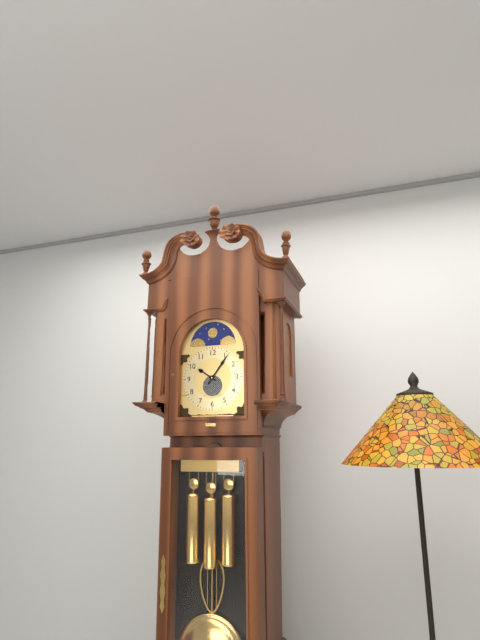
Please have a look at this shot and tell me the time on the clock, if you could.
10:06
